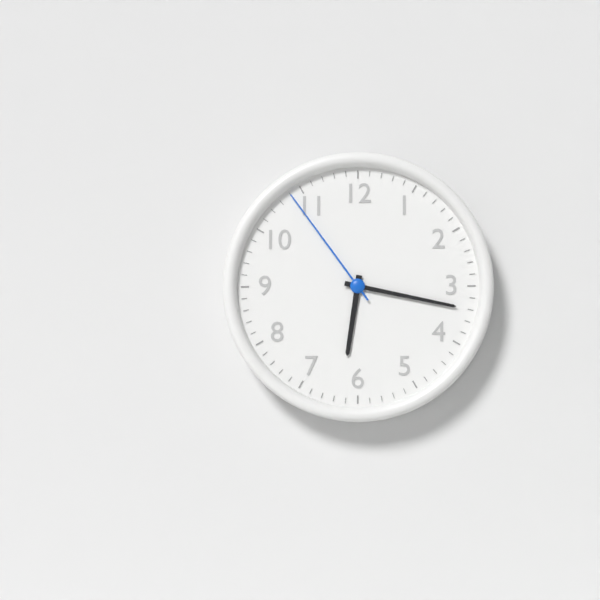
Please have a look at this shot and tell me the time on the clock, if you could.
6:17:54
